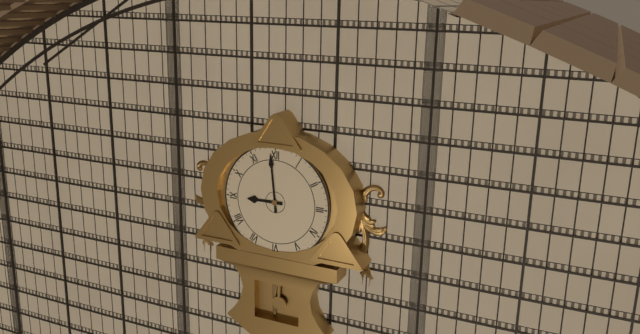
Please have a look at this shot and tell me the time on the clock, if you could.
8:59
